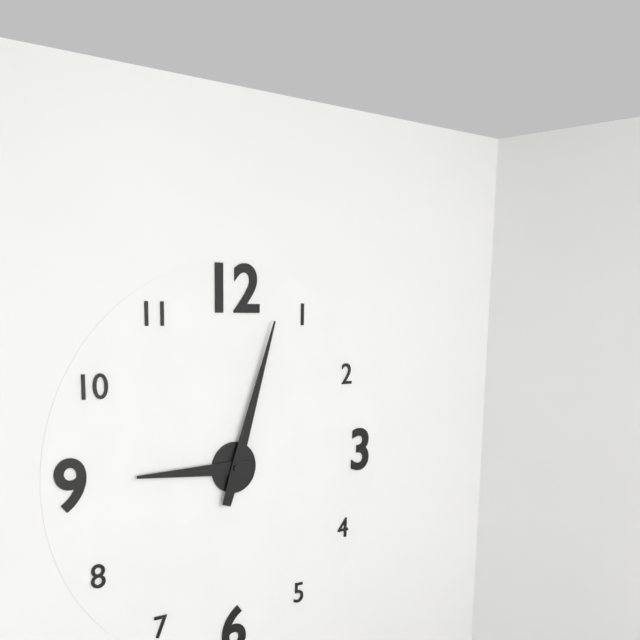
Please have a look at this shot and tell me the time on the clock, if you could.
9:03
